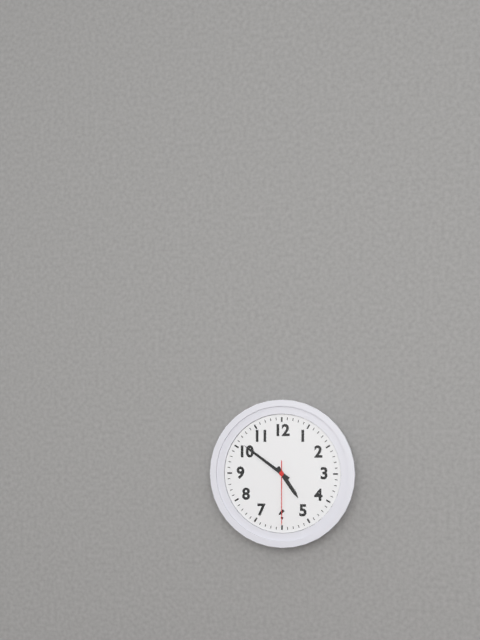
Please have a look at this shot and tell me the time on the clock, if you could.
4:51:30
